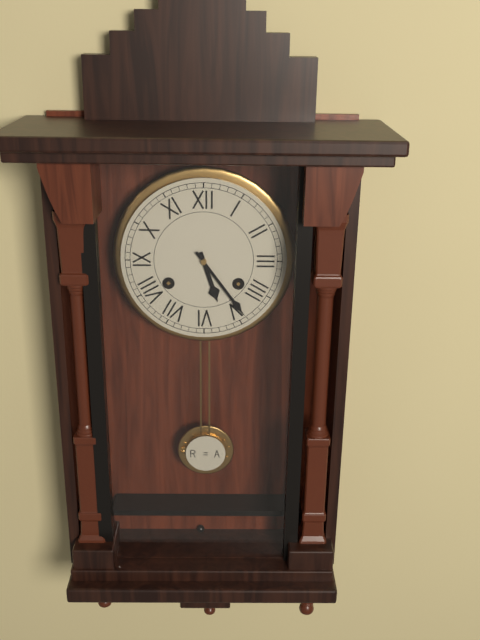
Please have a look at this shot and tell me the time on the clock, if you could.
5:24
